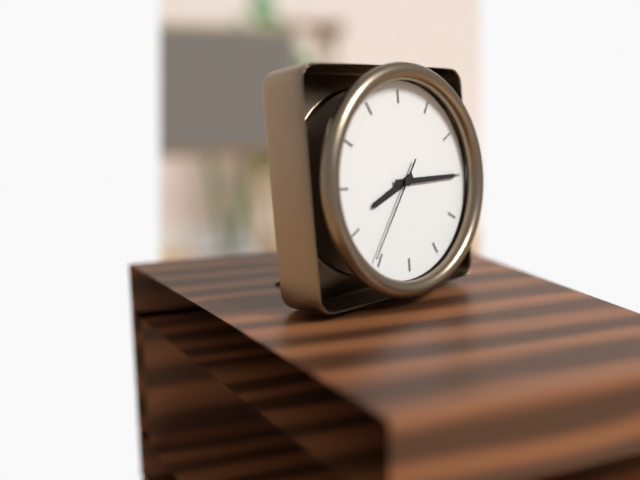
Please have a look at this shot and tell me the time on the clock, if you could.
8:15:36
